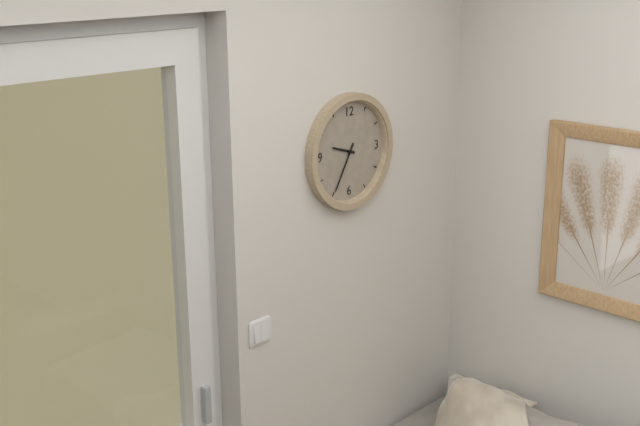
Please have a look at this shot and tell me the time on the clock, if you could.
9:35
